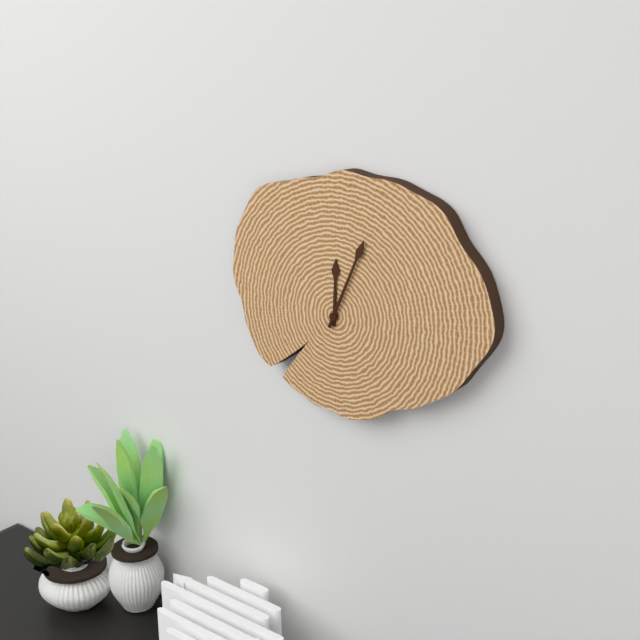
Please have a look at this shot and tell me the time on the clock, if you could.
12:04
